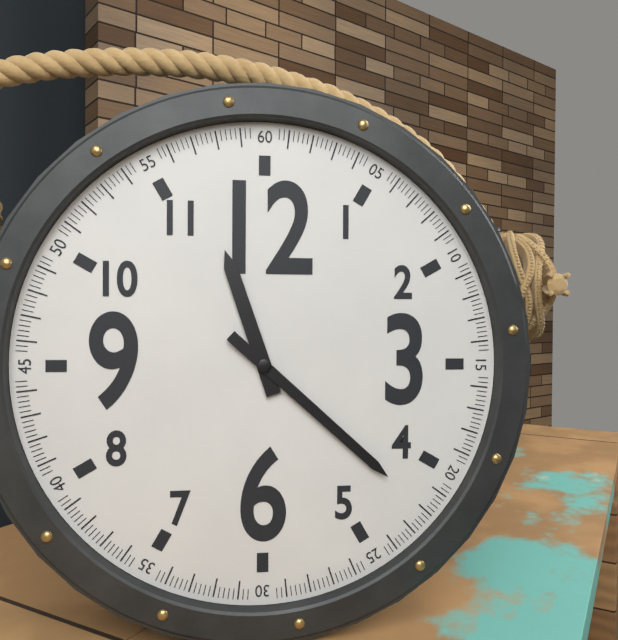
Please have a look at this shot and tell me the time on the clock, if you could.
11:22
